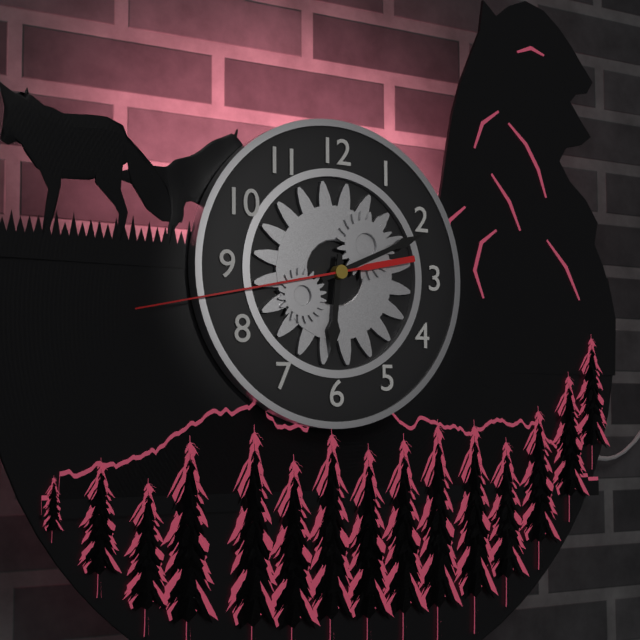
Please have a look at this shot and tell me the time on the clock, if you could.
6:11:43
